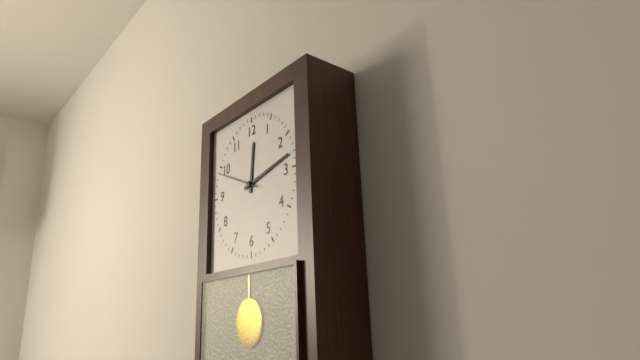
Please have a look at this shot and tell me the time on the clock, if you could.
12:13
